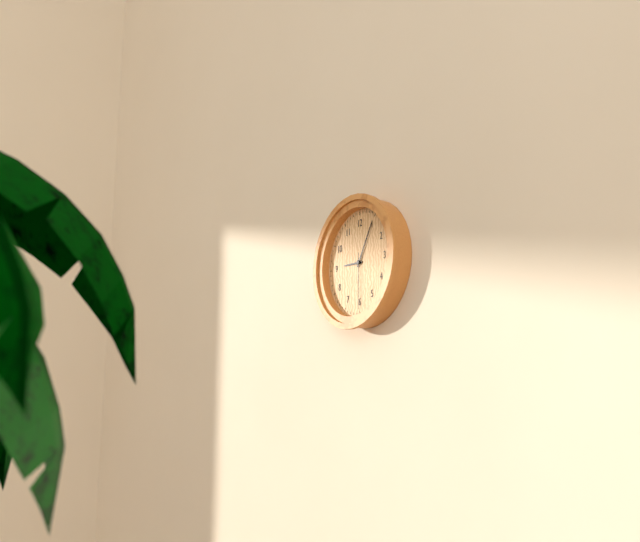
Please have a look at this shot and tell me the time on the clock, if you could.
9:05:30
